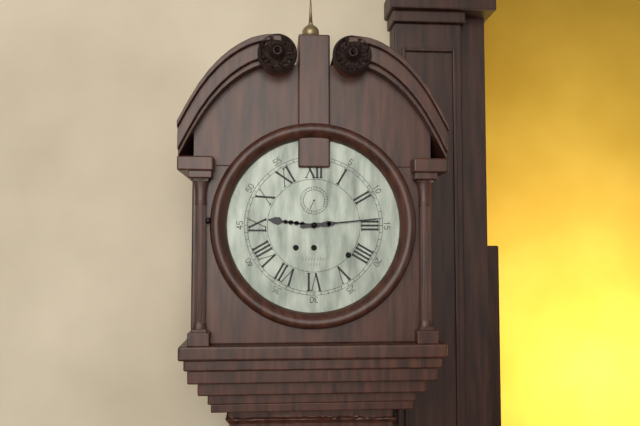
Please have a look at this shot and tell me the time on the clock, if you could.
9:14
